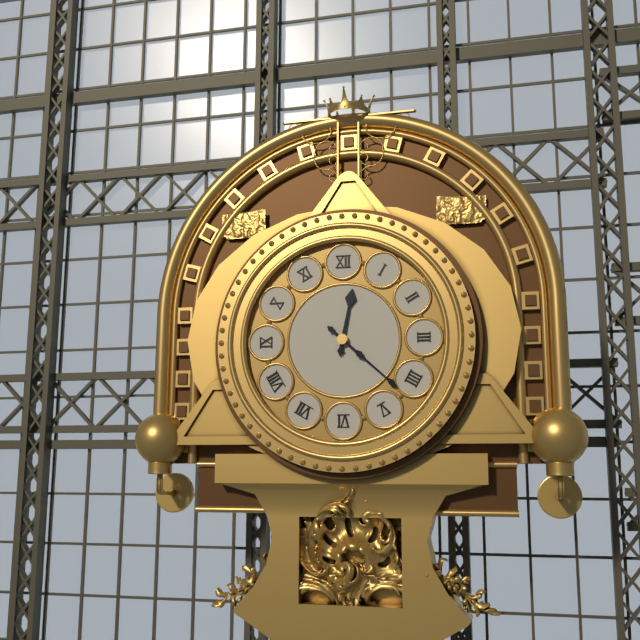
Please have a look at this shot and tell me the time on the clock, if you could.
12:22
